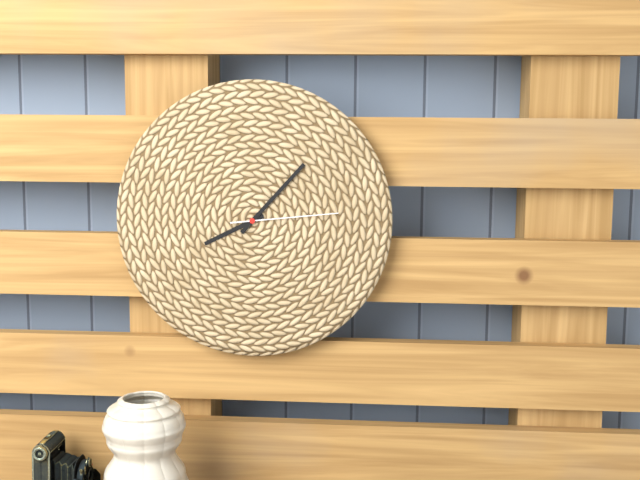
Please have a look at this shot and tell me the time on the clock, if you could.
8:07:14
